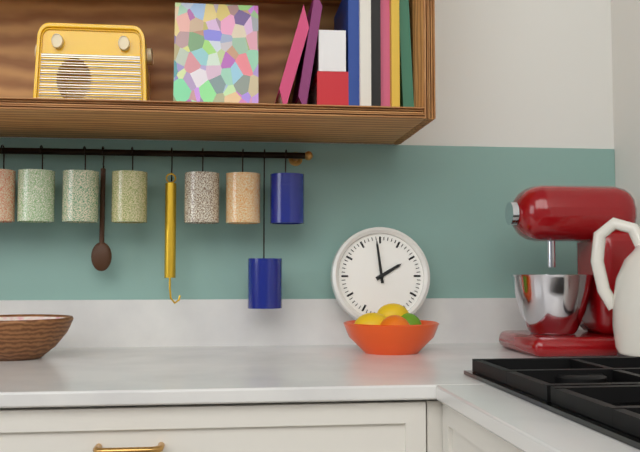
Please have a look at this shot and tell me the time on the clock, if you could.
1:59
